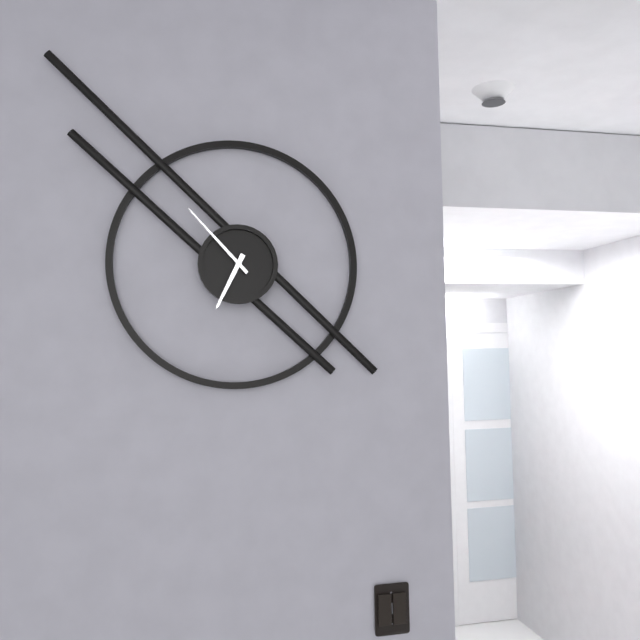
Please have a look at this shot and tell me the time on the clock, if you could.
6:53
